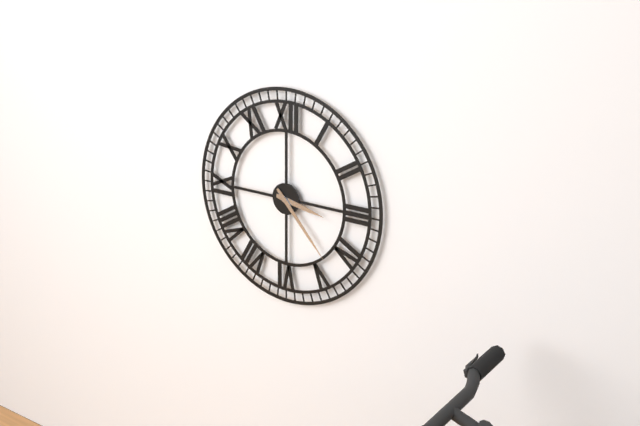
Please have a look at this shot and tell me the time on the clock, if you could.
3:23
